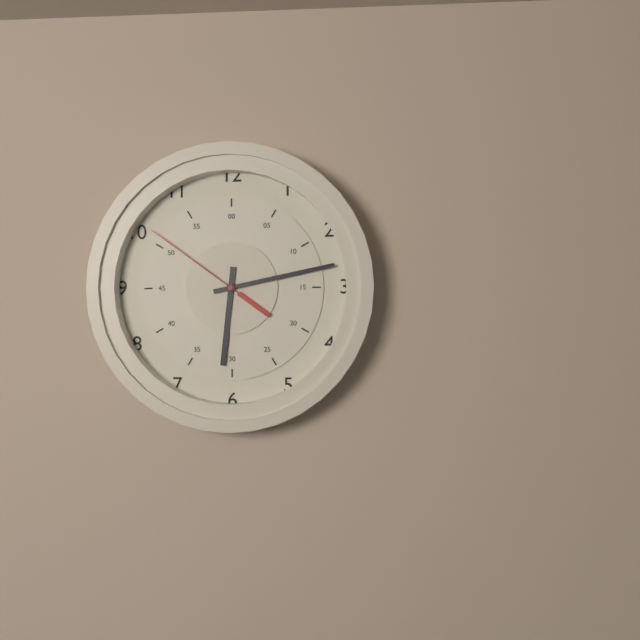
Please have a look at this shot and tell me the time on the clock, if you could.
6:13:51
